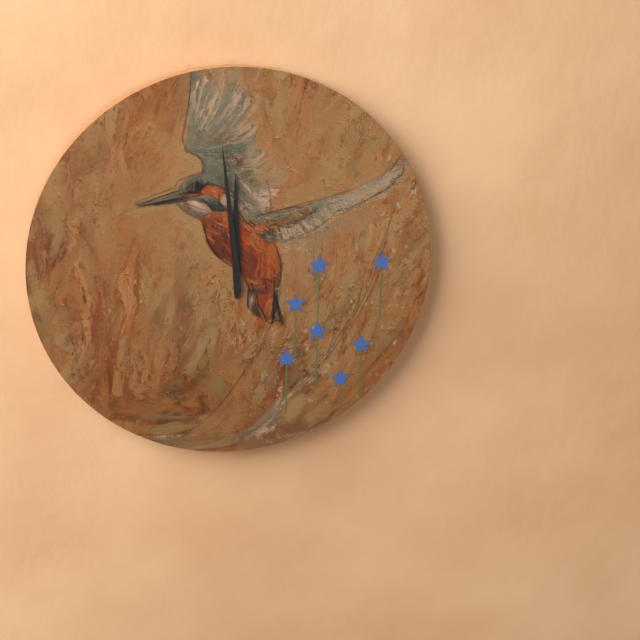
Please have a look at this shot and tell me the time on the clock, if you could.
11:59
